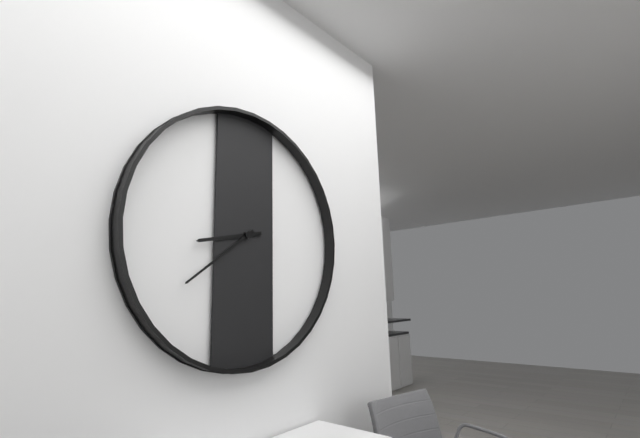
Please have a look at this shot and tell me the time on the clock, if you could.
8:39
